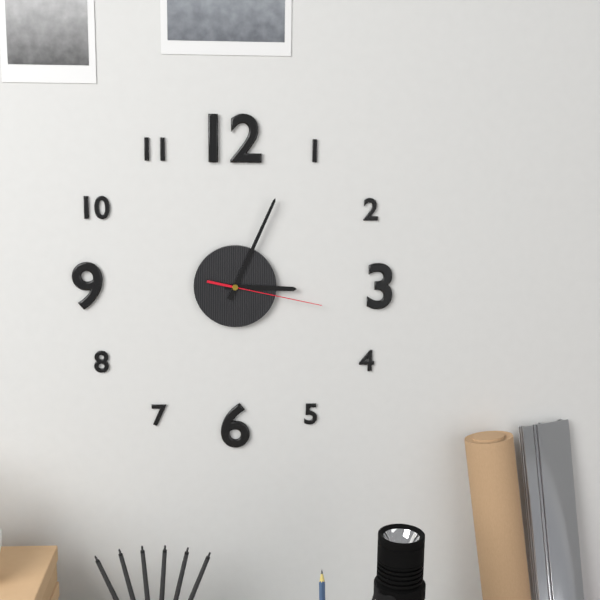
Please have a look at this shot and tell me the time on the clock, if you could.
3:04:17
